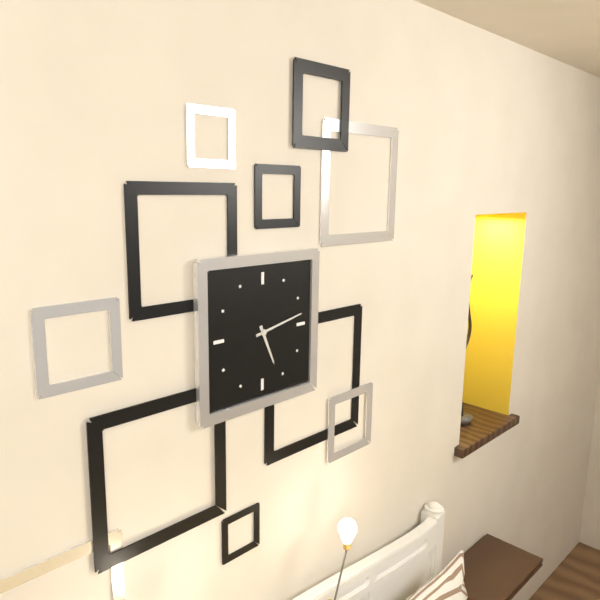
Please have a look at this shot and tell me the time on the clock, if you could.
5:13
